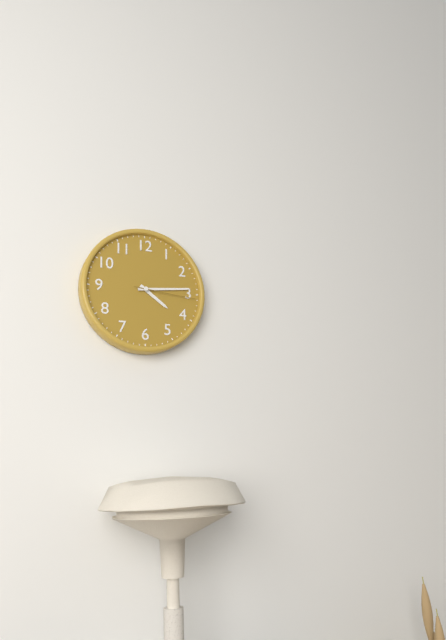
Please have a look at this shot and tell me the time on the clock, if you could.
4:14:16
